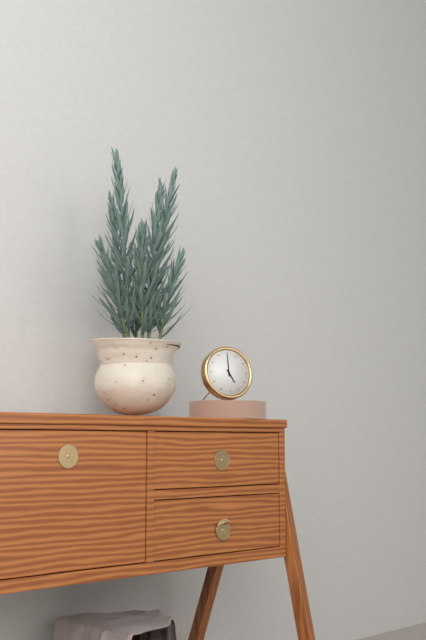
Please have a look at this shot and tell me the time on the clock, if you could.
5:00
